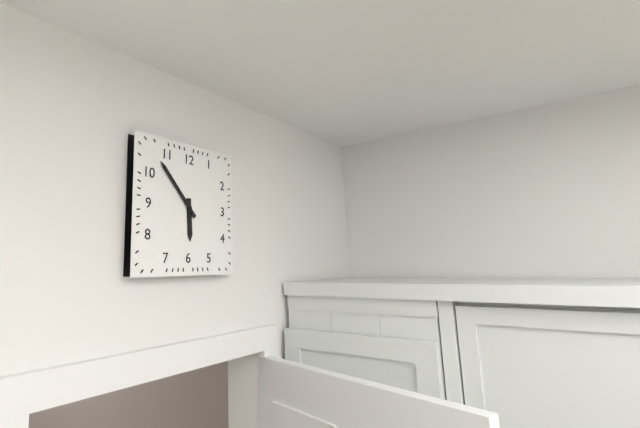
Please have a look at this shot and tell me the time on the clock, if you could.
5:53
